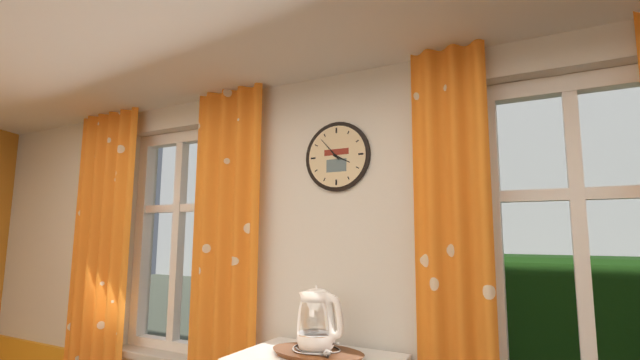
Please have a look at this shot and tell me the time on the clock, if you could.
3:53
